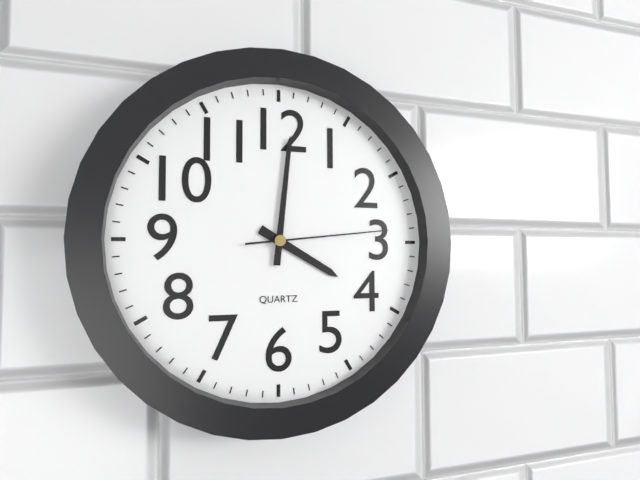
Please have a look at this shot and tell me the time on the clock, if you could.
4:01:14
